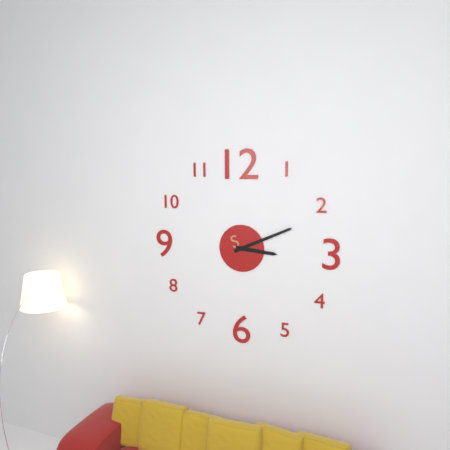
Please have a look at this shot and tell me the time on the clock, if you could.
3:11
